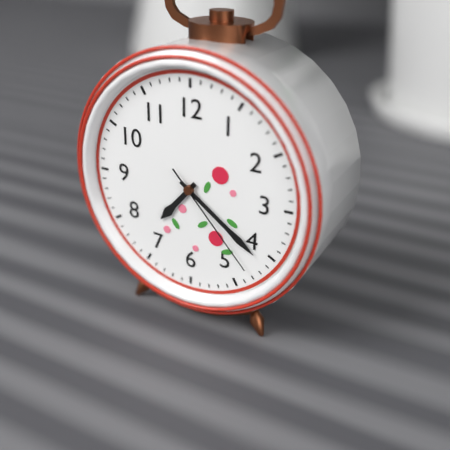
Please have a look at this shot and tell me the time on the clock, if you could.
7:21:23
